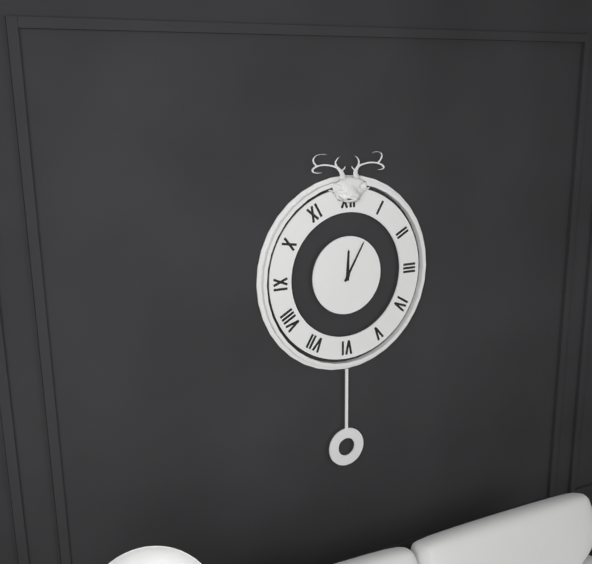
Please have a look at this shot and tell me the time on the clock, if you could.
12:05
